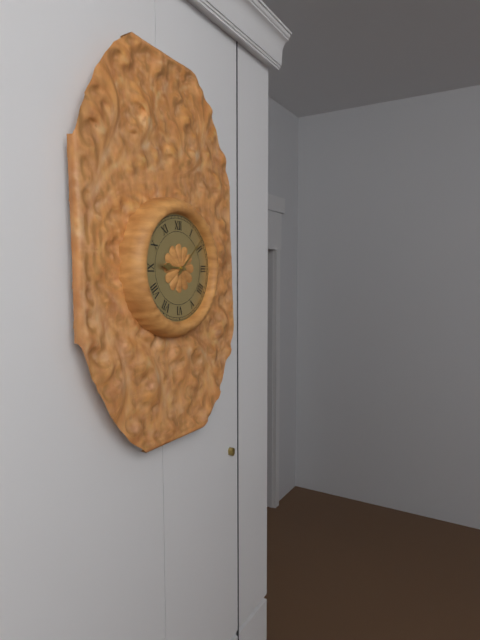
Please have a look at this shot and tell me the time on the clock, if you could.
9:08
